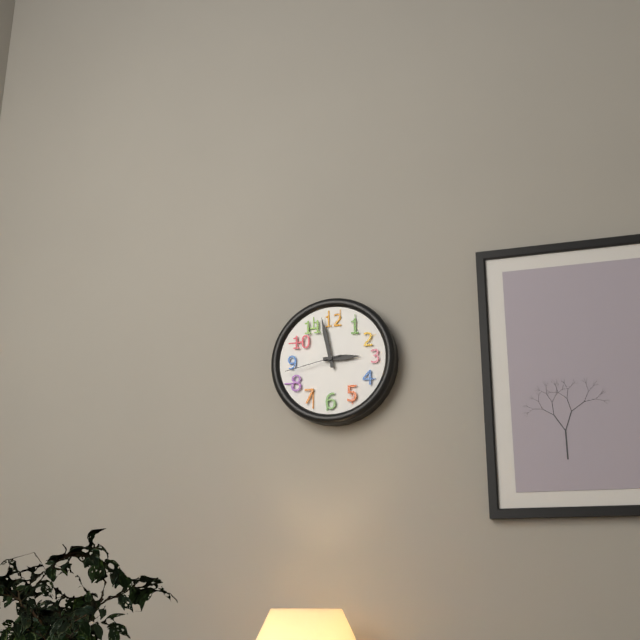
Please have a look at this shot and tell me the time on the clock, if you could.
2:58:43
